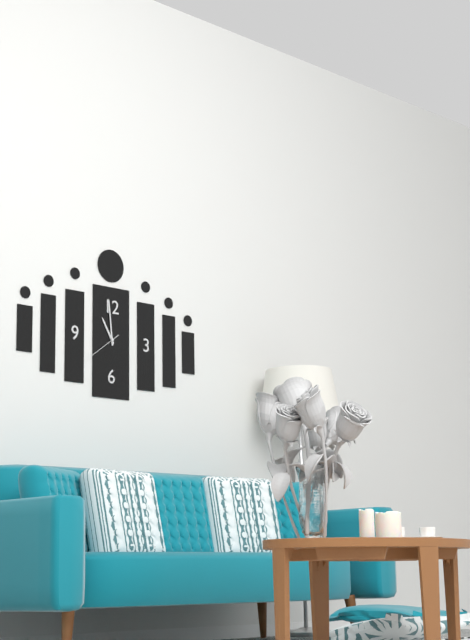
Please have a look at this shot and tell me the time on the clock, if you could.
10:59
